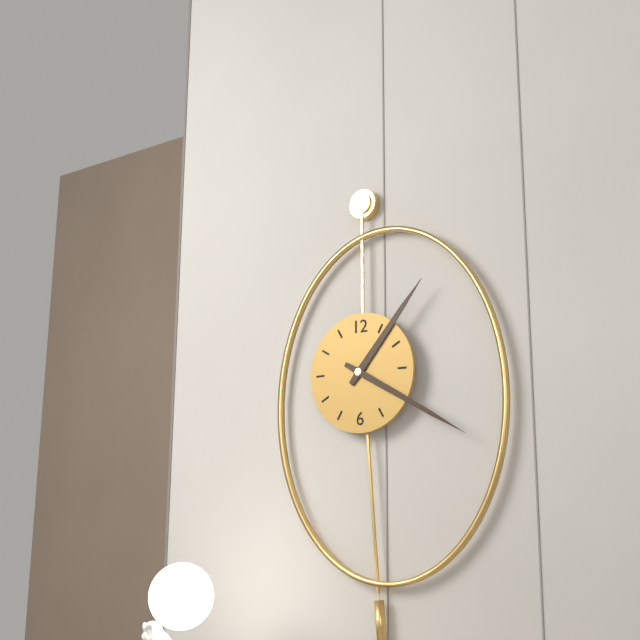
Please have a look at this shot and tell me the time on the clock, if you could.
1:20
